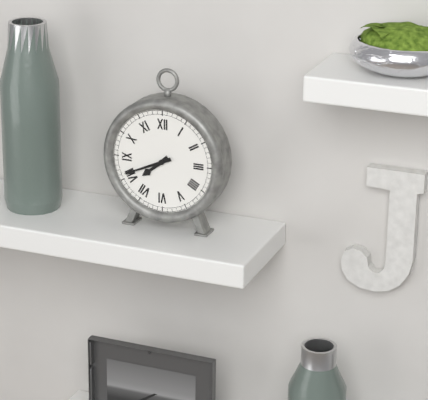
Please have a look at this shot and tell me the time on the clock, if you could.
7:41
